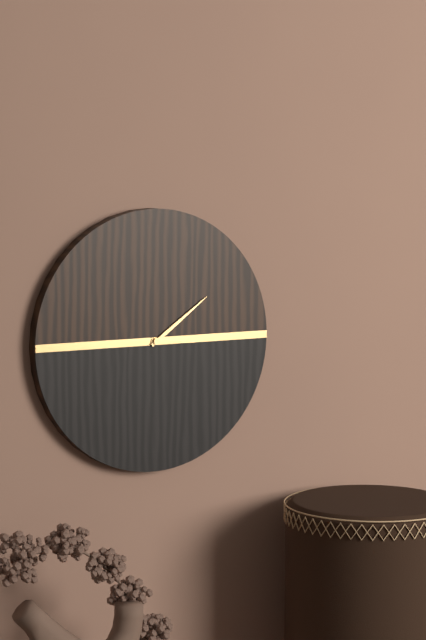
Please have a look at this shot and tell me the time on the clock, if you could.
3:09
